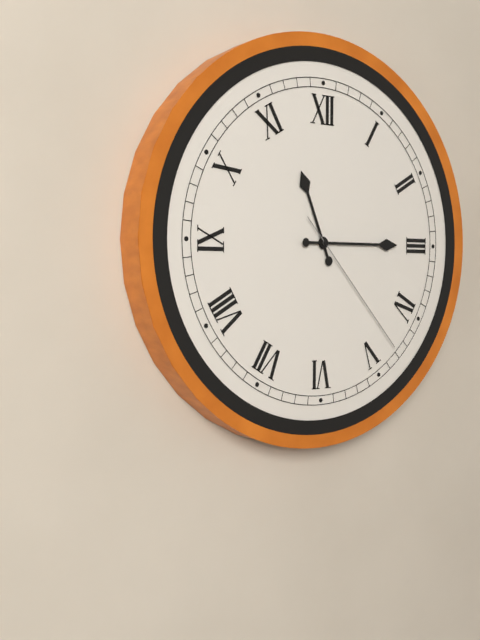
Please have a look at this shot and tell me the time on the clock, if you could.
11:15:23
